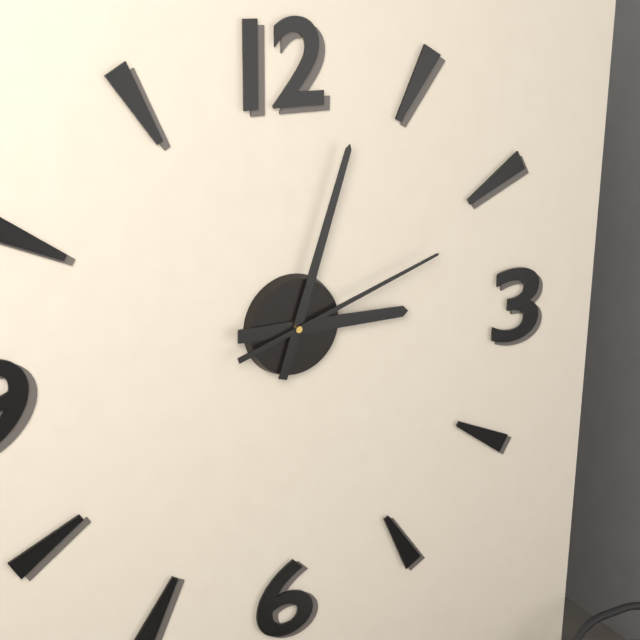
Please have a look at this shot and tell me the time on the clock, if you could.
3:03:12
